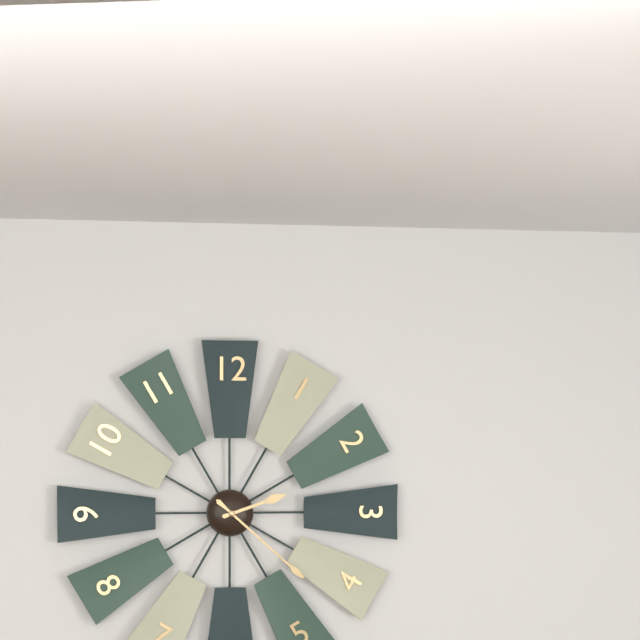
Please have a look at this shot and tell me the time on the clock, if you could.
2:22
